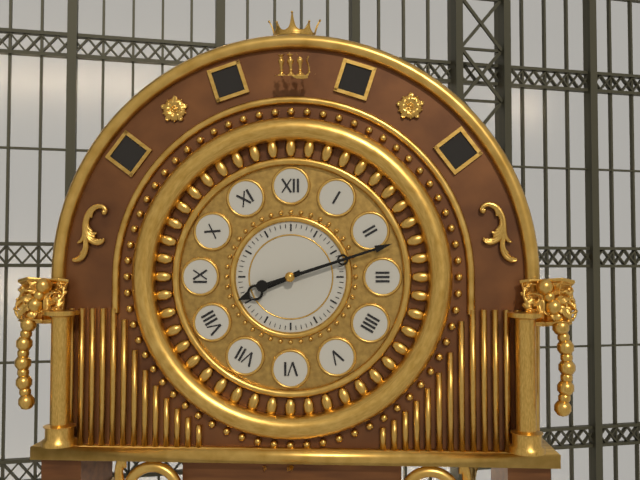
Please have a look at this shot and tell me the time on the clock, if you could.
8:12
